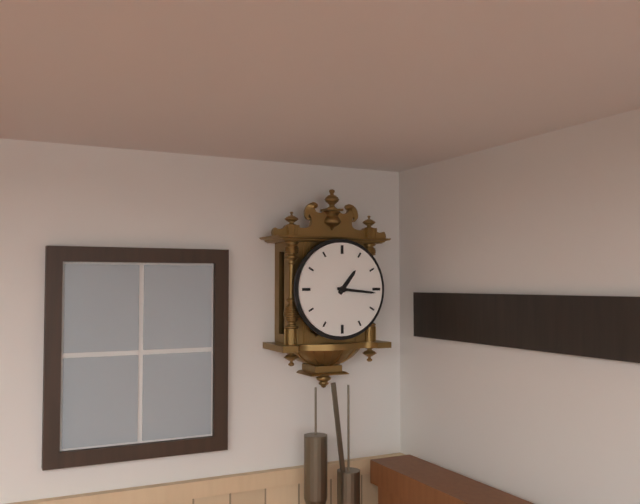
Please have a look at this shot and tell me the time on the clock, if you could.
1:16
